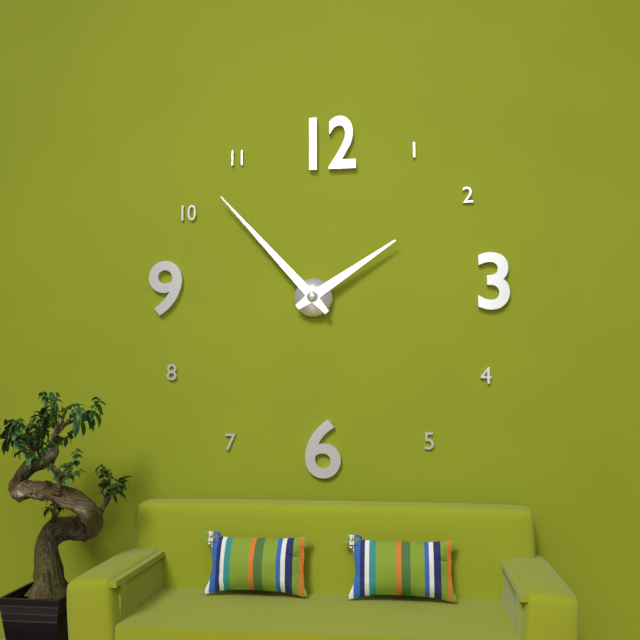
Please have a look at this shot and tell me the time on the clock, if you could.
1:53
